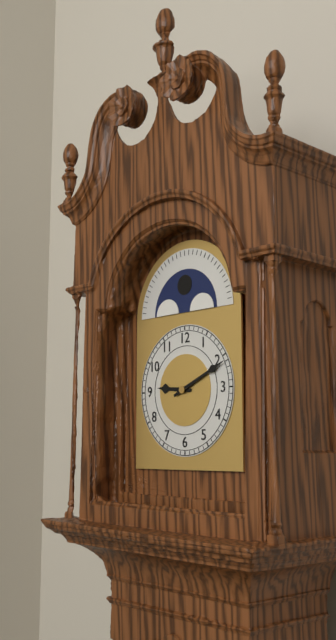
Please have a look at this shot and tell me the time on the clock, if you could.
9:11
